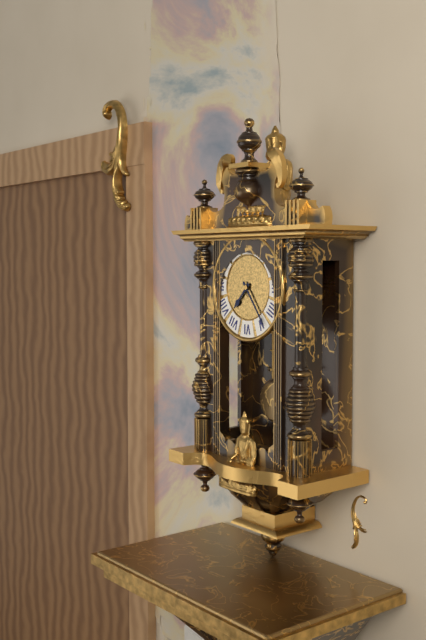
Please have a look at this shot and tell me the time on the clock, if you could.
7:24
